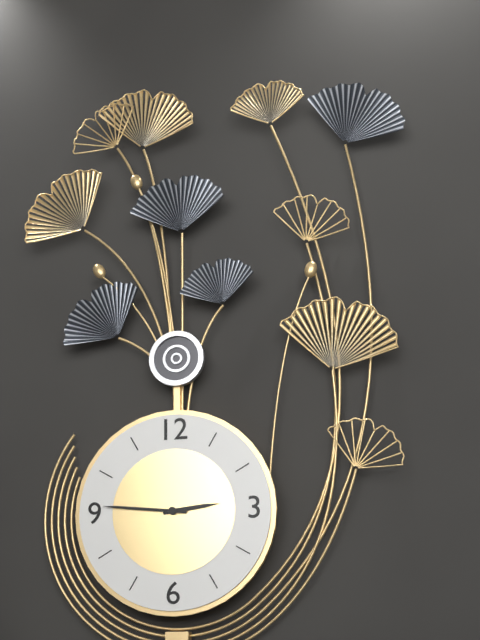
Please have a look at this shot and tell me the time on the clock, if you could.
2:46
